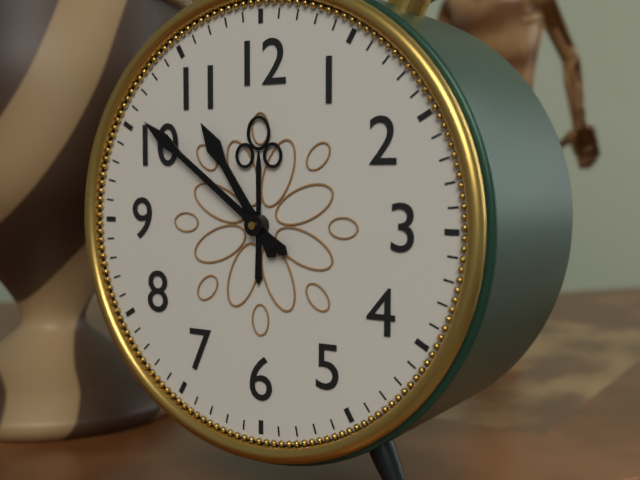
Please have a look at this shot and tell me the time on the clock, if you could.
10:51
